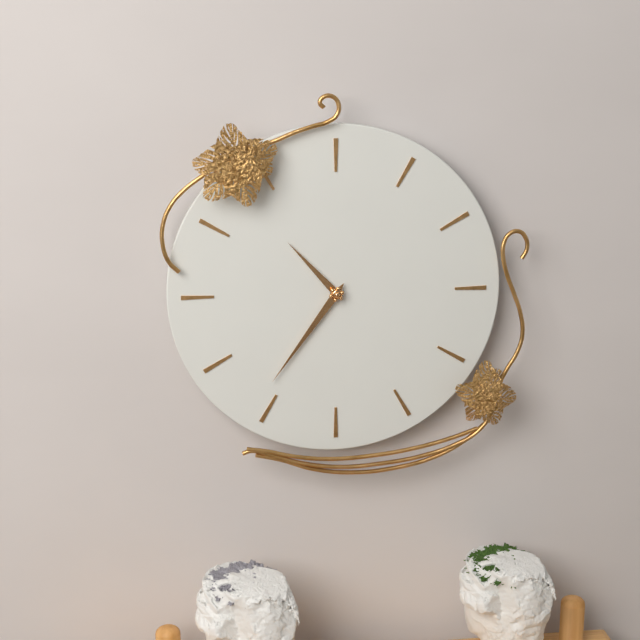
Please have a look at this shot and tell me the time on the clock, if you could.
10:36
